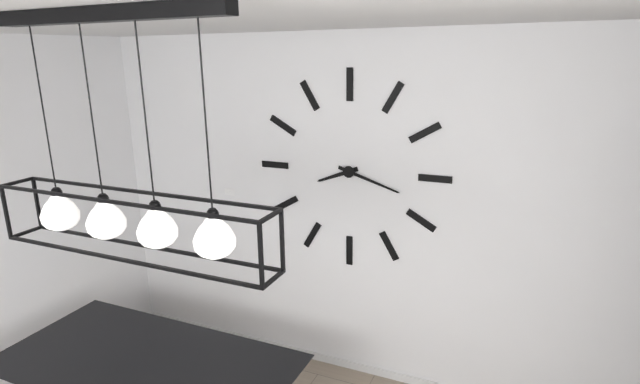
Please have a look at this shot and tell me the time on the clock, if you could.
8:18
